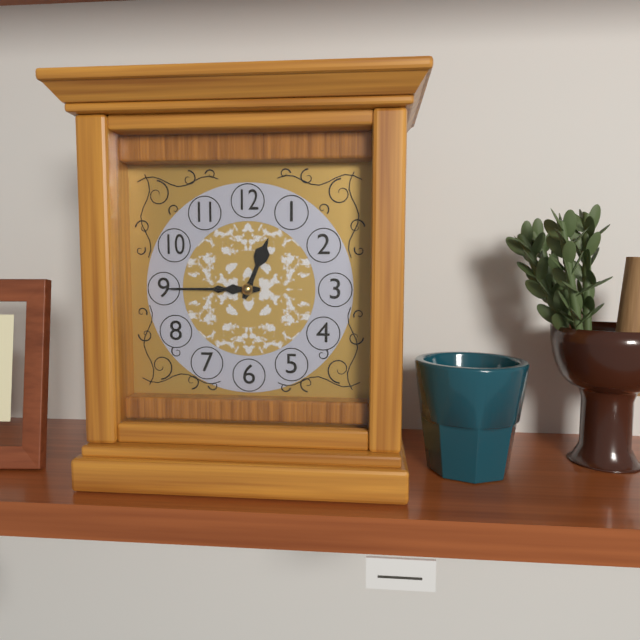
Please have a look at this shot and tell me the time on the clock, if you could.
12:45
